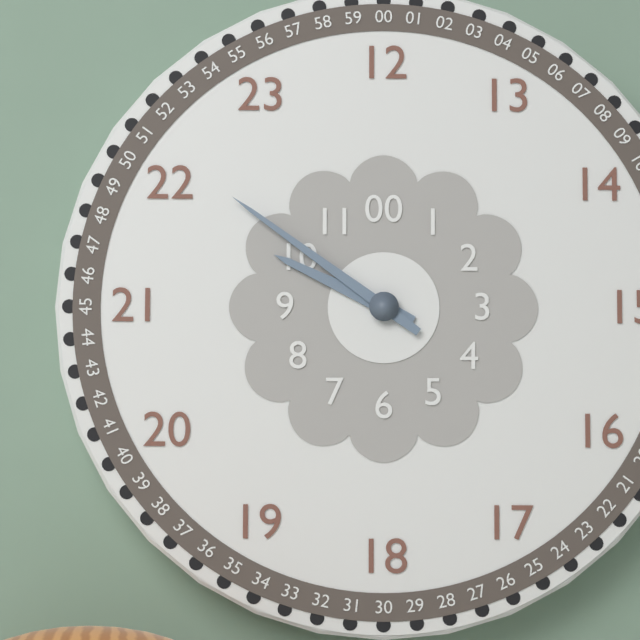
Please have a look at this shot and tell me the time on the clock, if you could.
9:51
